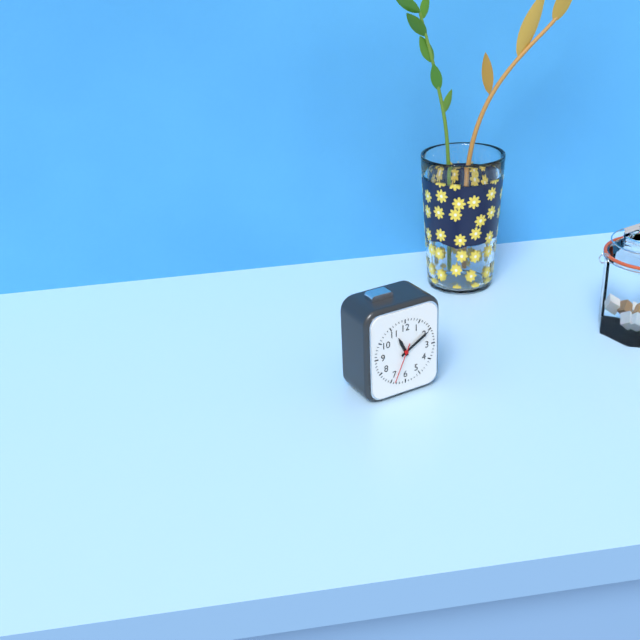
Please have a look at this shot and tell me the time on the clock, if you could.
11:10
